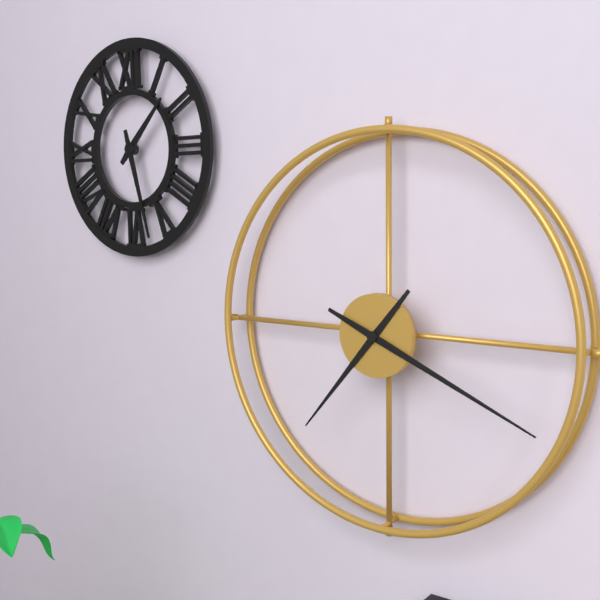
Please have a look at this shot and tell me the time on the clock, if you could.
7:19
